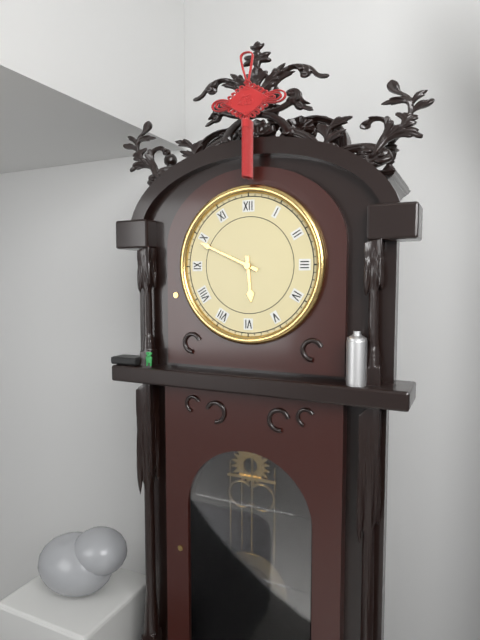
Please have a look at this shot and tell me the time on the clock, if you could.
5:49
